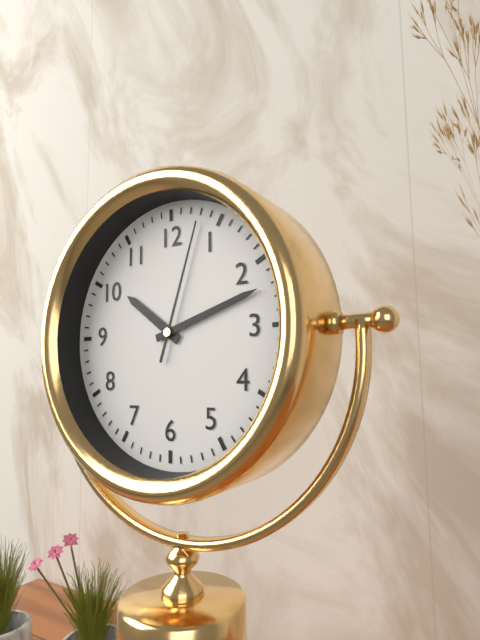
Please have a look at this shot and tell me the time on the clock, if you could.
10:12:03
